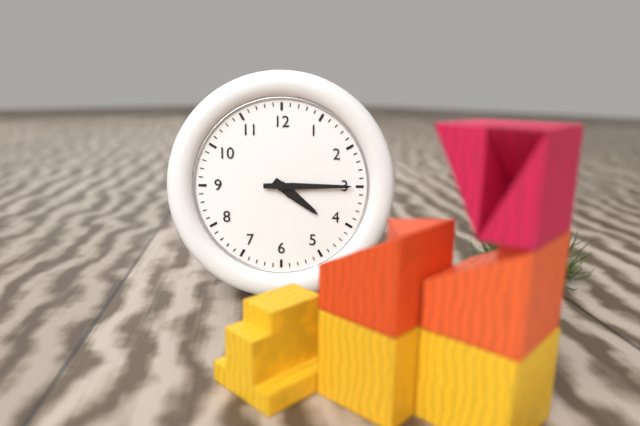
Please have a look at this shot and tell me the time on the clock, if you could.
4:15
